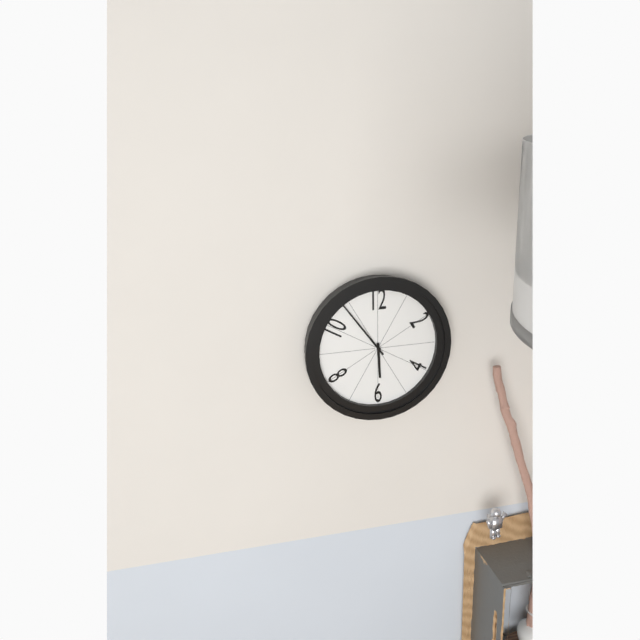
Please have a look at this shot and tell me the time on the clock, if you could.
5:54
